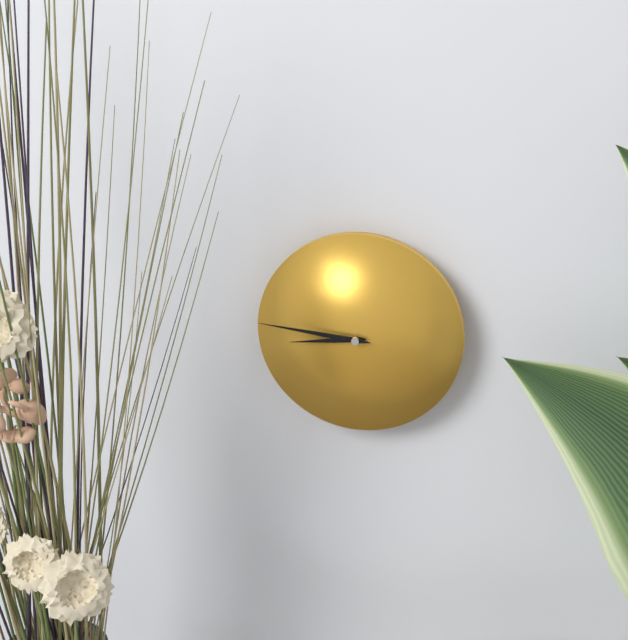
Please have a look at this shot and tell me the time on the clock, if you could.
8:46
